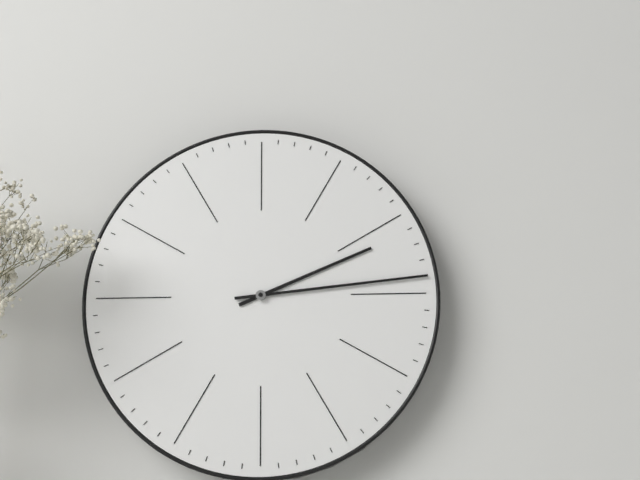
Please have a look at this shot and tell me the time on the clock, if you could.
2:14
